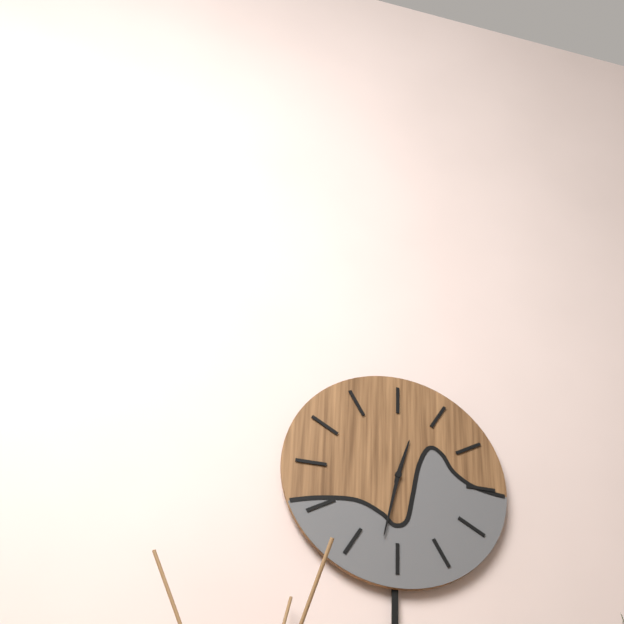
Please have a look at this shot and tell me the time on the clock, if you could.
12:32
